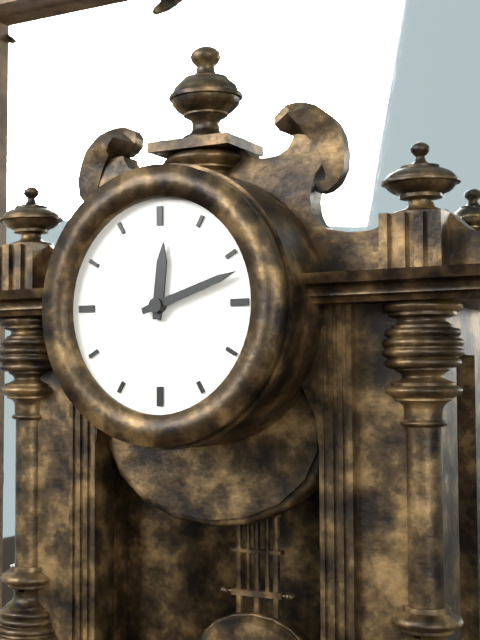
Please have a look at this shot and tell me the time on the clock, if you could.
12:12
